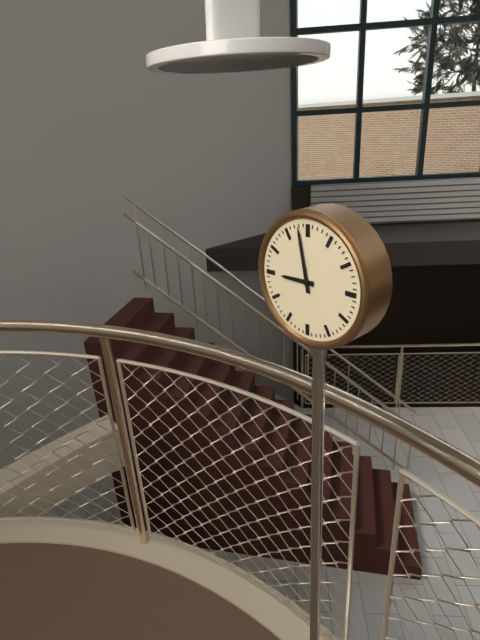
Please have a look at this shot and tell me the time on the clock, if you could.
8:58
